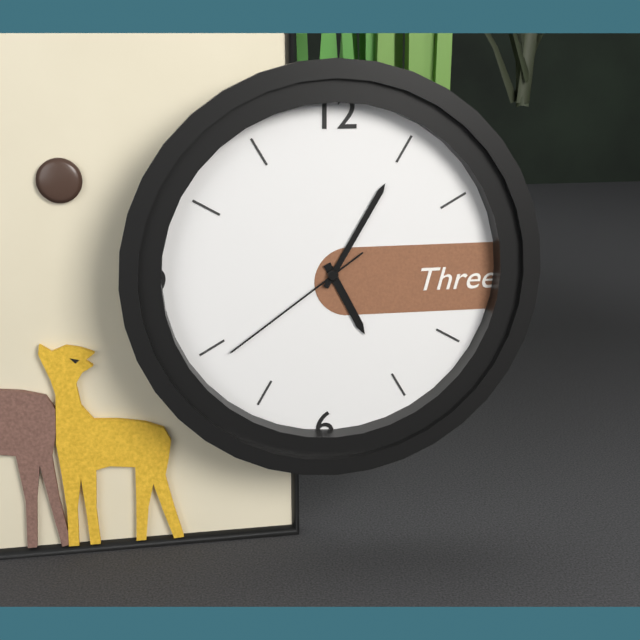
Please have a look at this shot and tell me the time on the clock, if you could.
5:05:39
